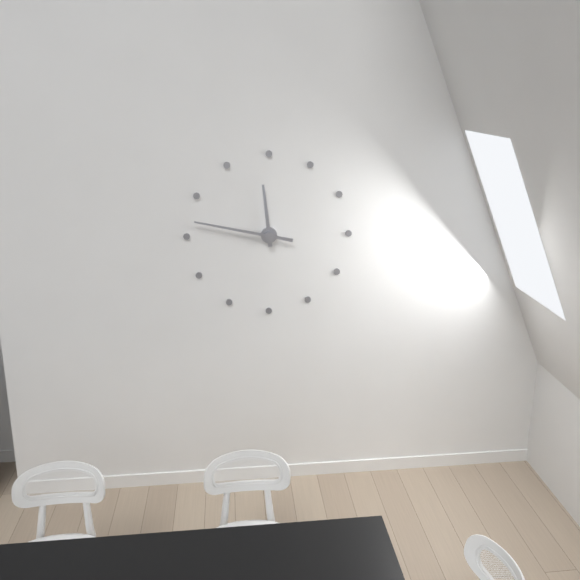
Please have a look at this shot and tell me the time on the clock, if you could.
11:47
